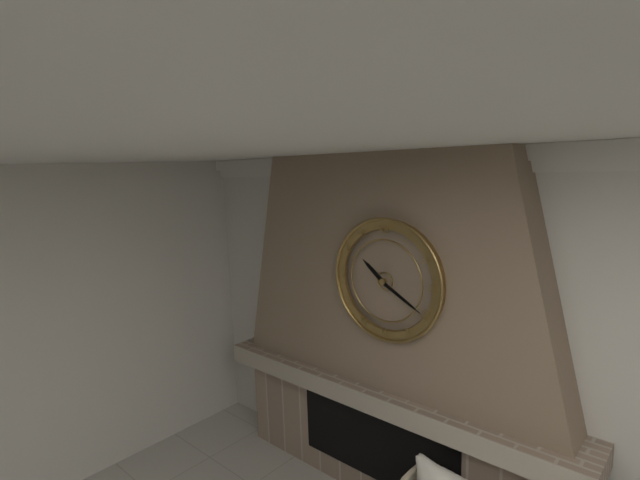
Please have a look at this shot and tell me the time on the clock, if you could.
10:20
